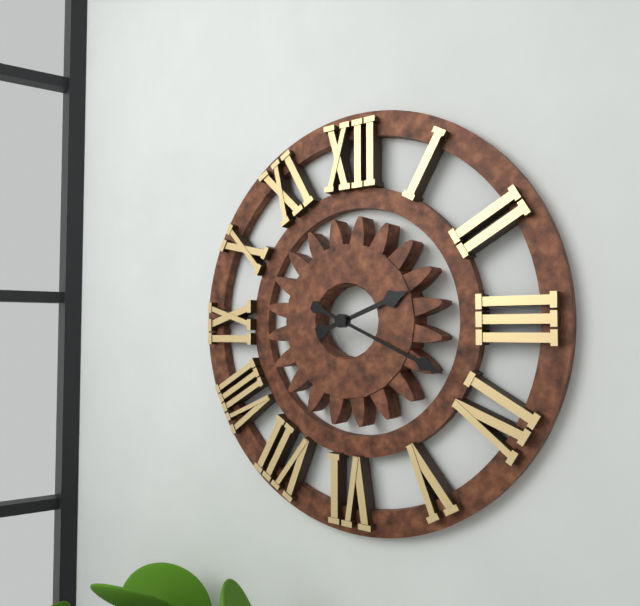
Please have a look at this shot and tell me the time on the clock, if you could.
2:19
